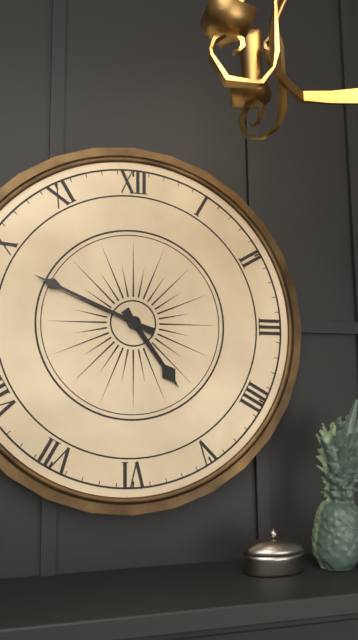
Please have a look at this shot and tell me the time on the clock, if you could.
4:49
